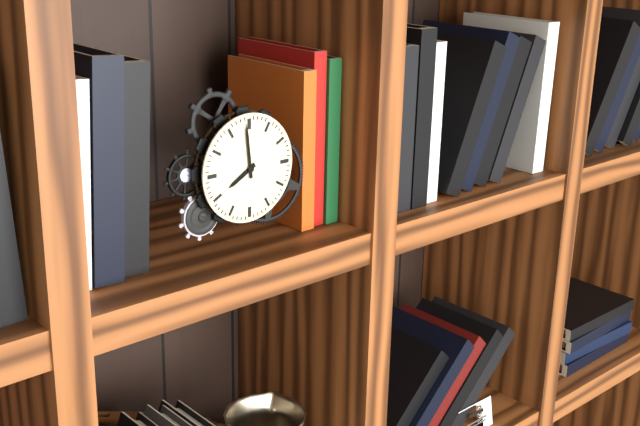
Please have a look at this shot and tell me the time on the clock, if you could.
7:59
